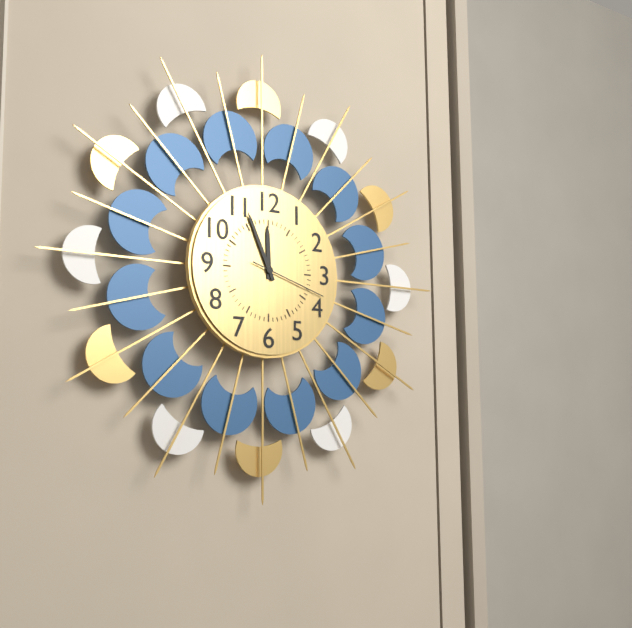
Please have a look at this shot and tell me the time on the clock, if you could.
11:56:18
